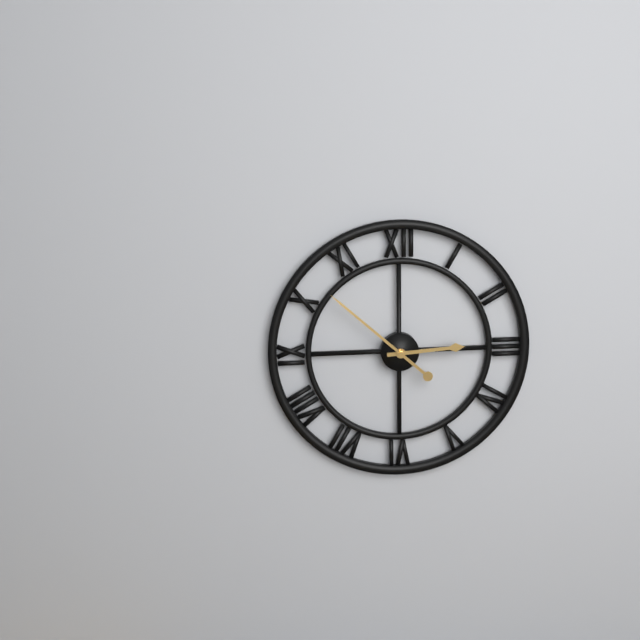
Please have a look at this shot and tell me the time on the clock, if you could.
2:52
